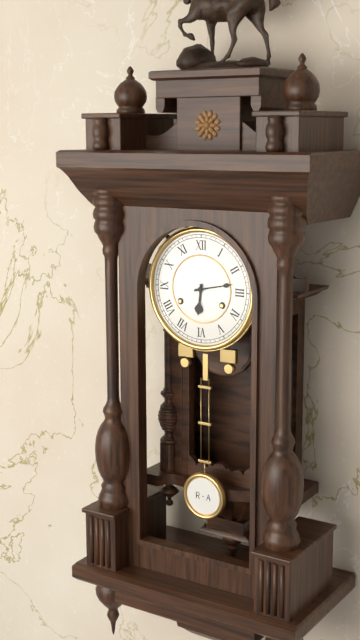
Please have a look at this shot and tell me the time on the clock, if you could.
6:13
